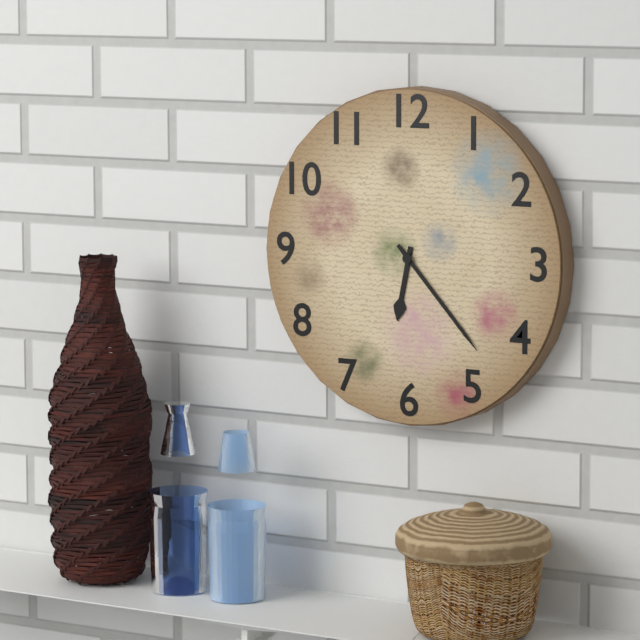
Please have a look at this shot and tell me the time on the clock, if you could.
6:23
